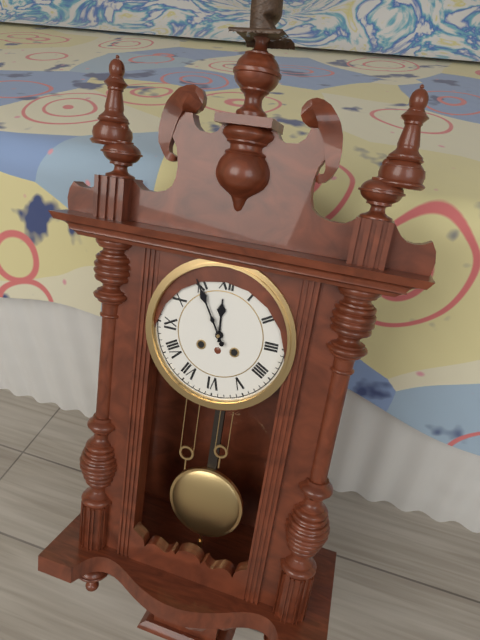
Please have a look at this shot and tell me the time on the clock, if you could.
11:55
